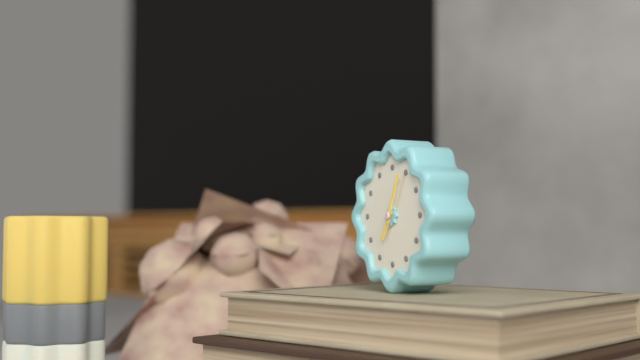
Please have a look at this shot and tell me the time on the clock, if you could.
7:04
